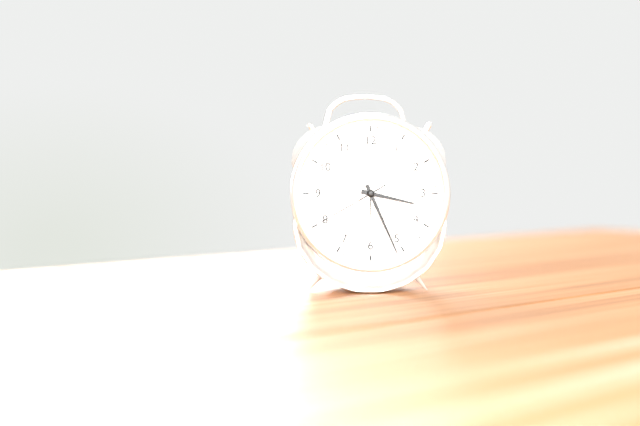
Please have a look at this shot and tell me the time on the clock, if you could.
3:26:40
